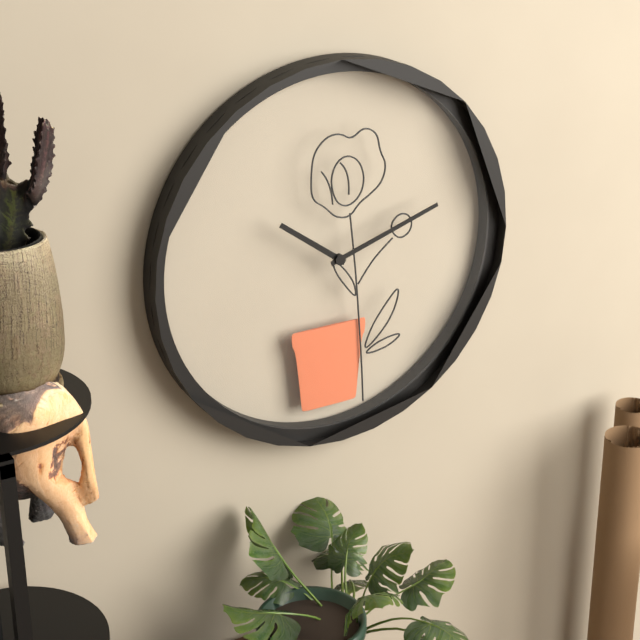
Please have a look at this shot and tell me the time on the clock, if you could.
10:12
